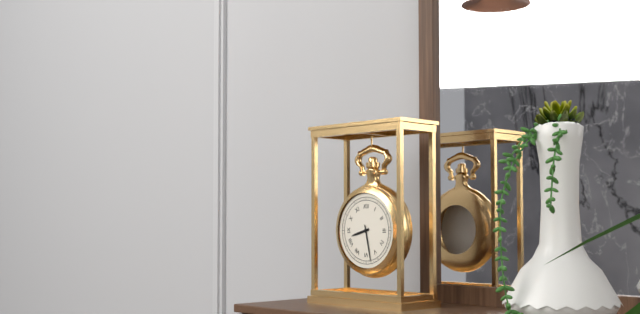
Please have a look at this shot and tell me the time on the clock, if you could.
8:28
